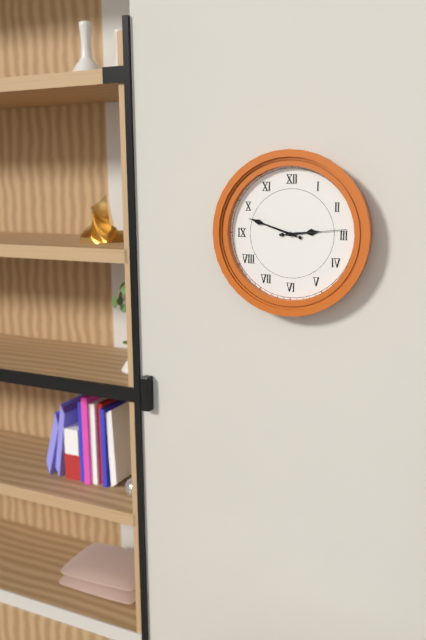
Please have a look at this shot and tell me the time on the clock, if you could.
2:48:14
